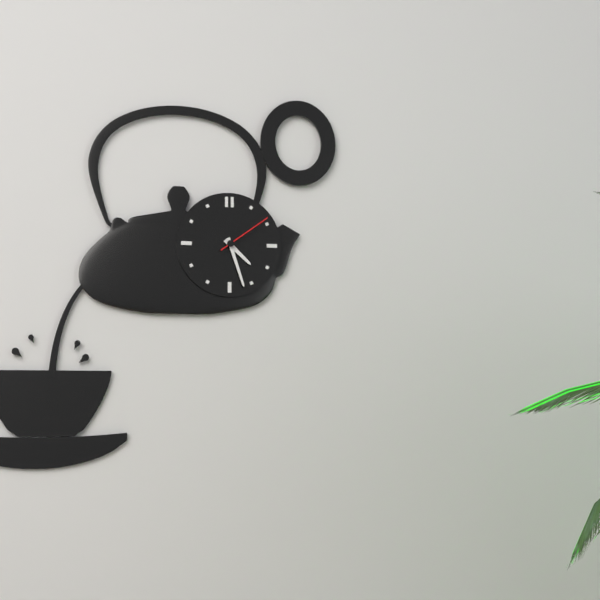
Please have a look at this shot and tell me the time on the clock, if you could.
4:27:09
